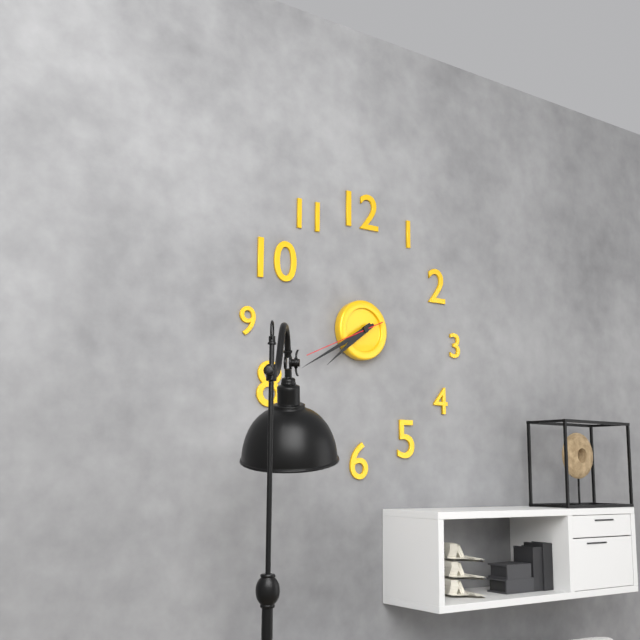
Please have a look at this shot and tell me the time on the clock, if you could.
7:40:41
